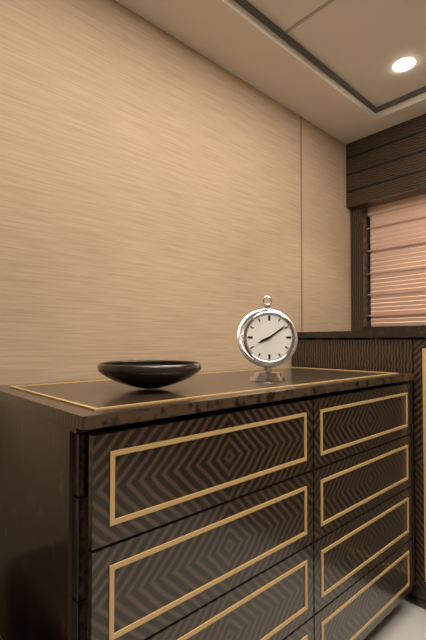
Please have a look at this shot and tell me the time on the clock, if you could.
8:09
